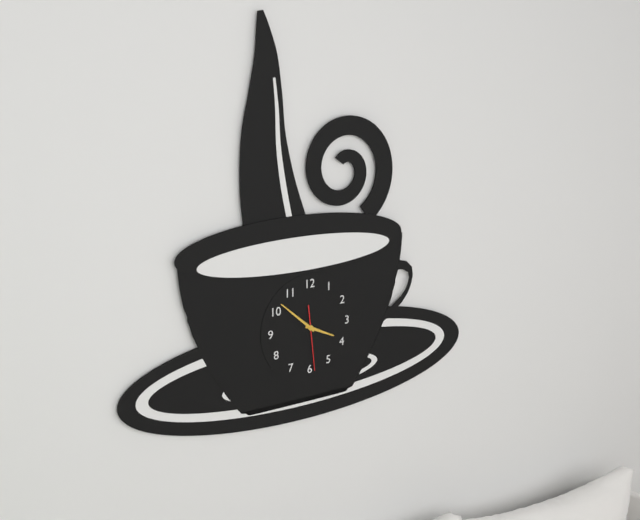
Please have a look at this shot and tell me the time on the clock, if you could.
3:52:29
